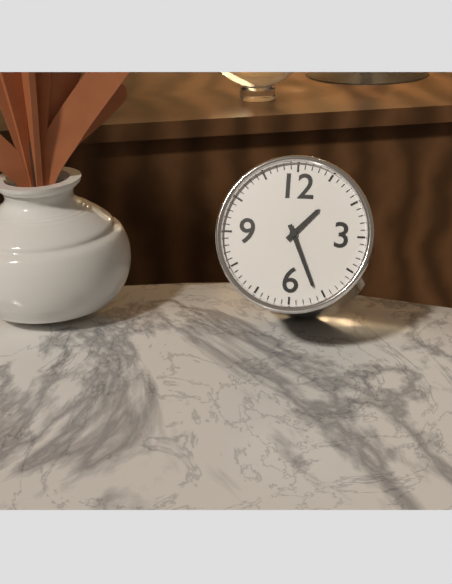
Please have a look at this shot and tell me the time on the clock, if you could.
1:26
